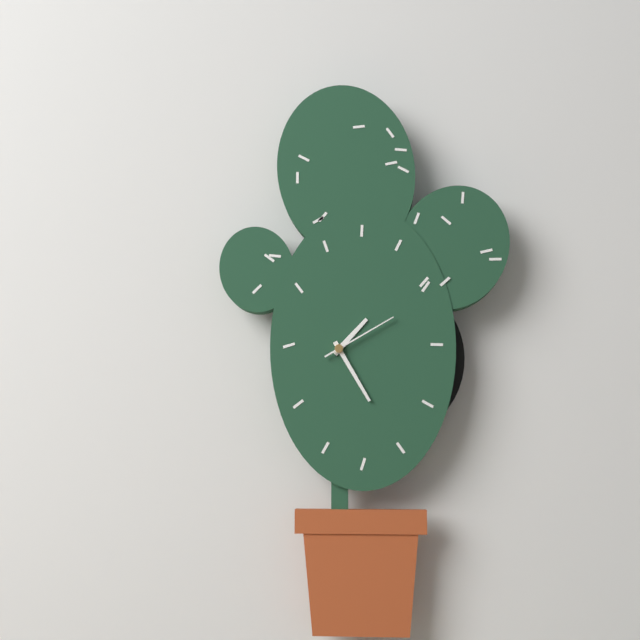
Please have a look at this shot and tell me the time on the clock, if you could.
1:25:10
